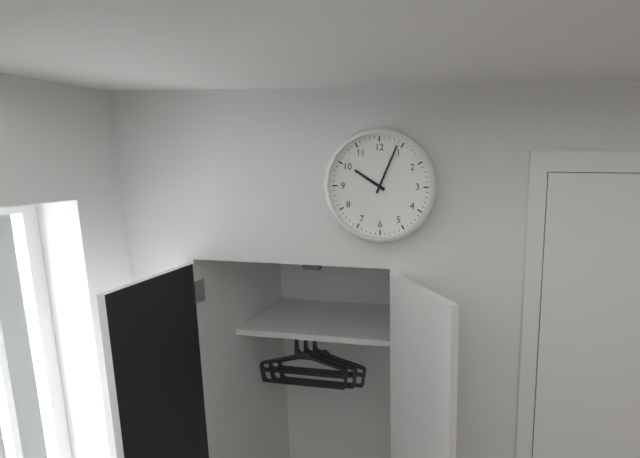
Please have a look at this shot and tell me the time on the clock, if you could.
10:04
